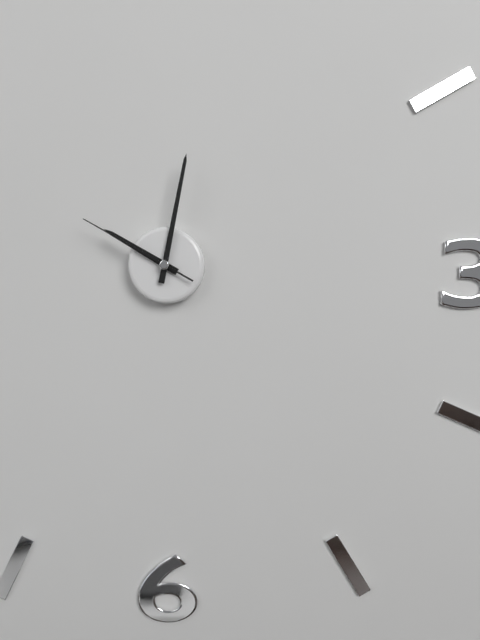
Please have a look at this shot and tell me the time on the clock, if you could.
10:02:50
